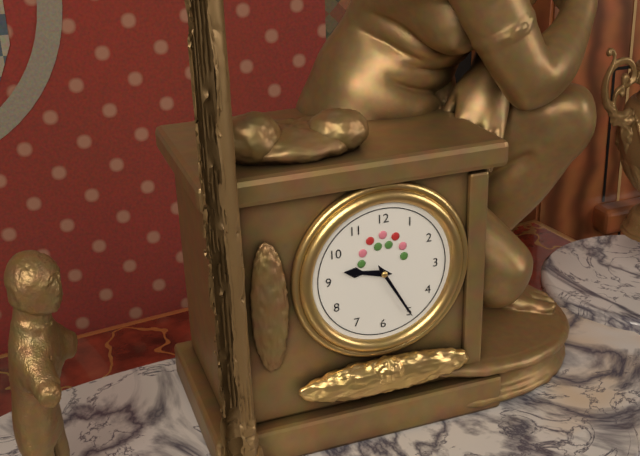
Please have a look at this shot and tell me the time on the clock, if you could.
9:25
